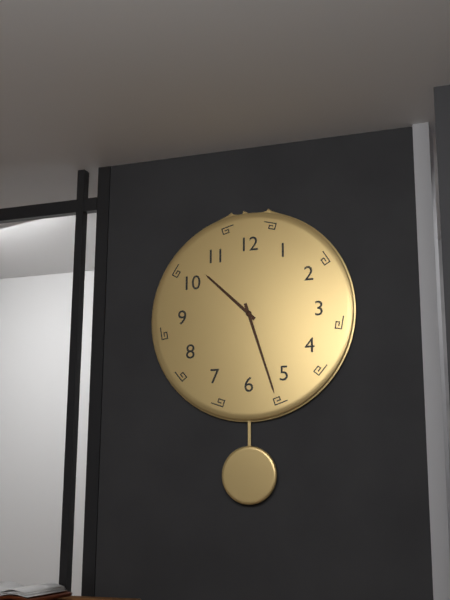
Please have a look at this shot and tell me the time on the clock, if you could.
10:27
